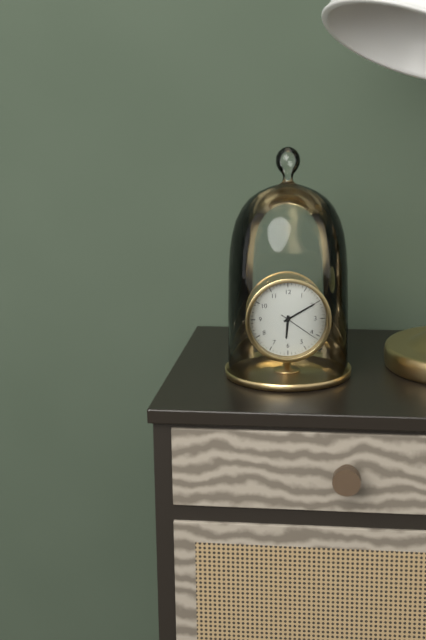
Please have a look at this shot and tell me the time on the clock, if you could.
6:10
